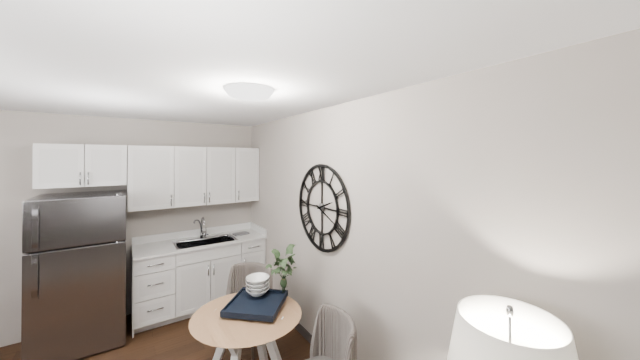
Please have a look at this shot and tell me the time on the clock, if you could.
2:19
